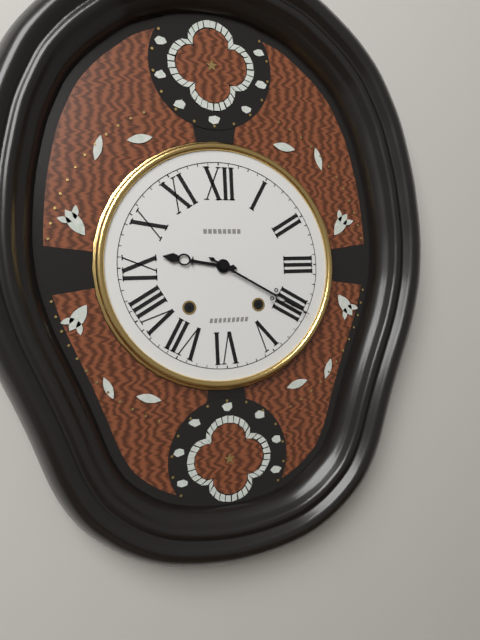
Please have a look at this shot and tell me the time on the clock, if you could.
9:20
